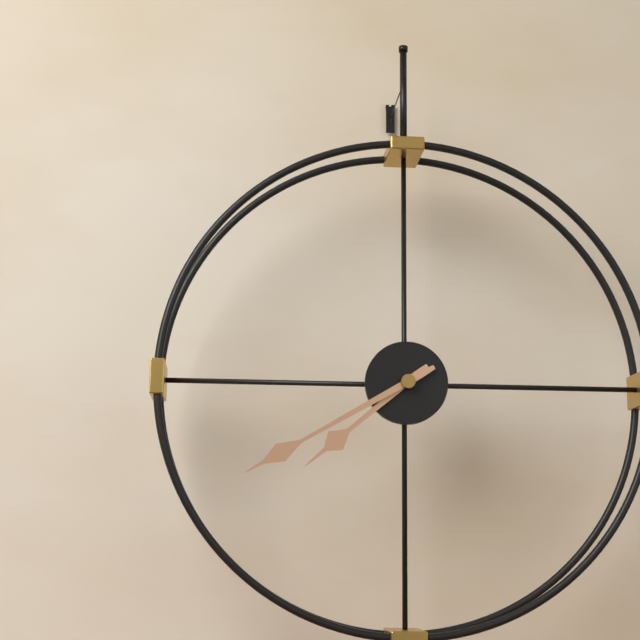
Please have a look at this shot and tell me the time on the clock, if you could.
7:40
